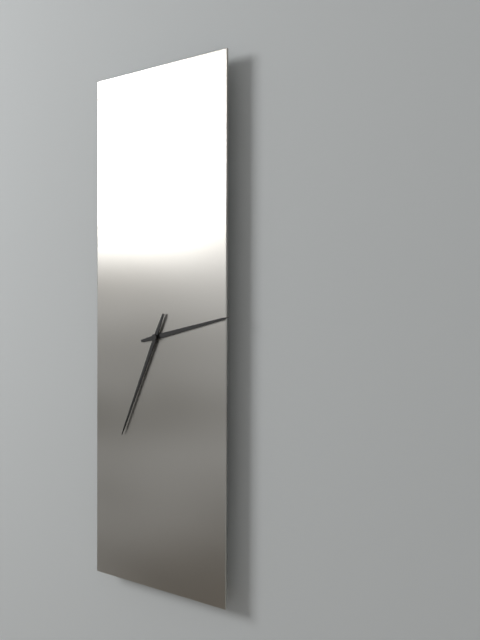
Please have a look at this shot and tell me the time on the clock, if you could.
2:34
